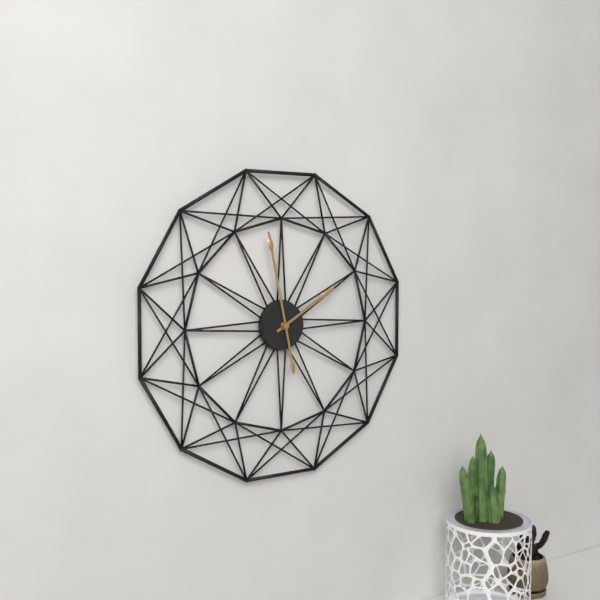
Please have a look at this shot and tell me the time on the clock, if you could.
1:58
